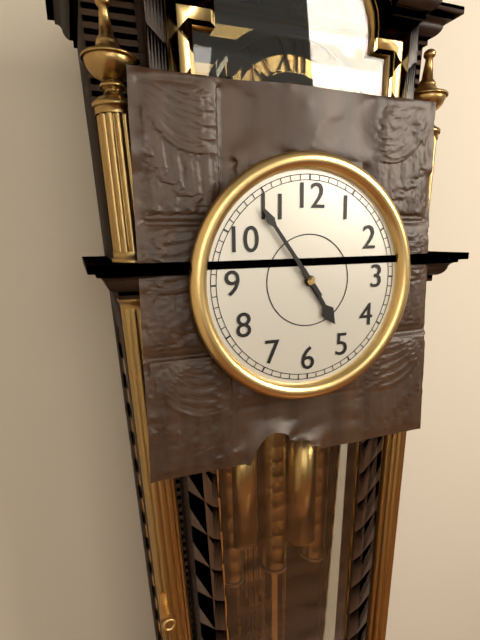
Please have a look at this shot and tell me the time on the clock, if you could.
4:54
